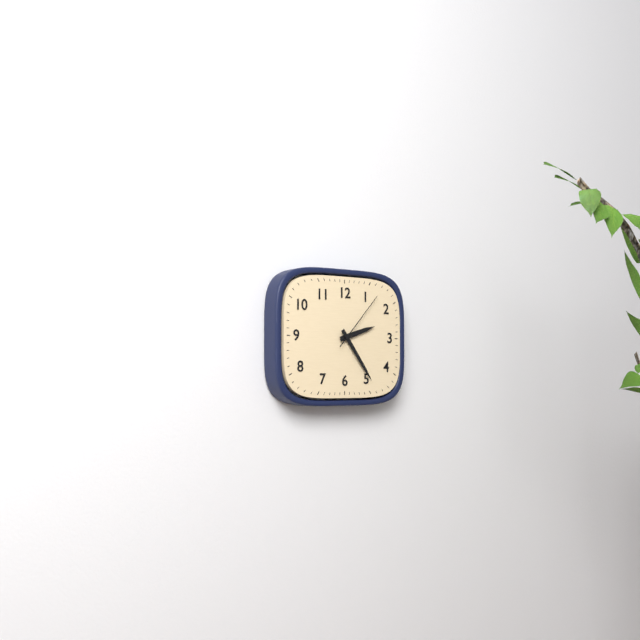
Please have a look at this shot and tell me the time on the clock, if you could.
2:24:07
